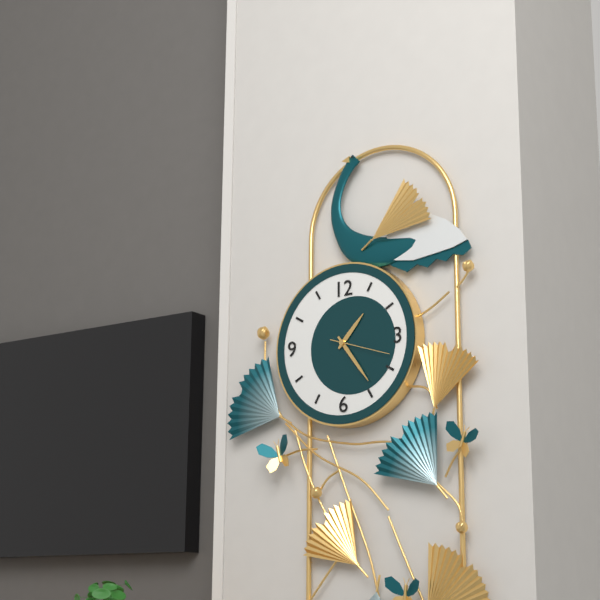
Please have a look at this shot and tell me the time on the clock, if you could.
1:24
